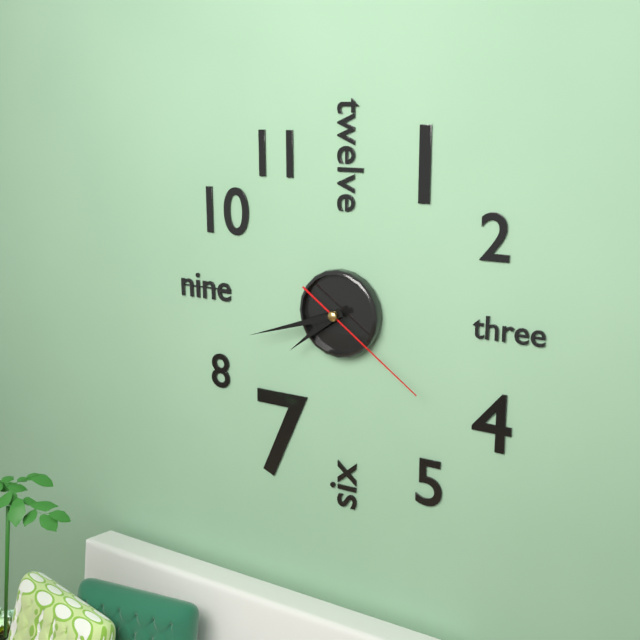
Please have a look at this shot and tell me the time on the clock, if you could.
7:42:21
